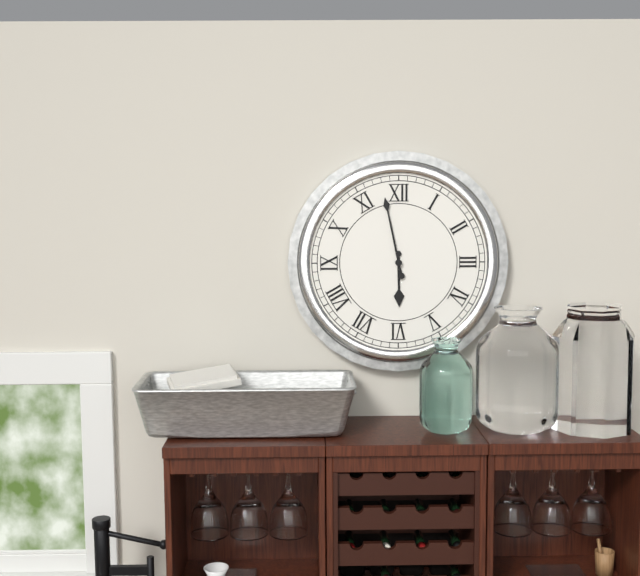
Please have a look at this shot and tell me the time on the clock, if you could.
5:58
